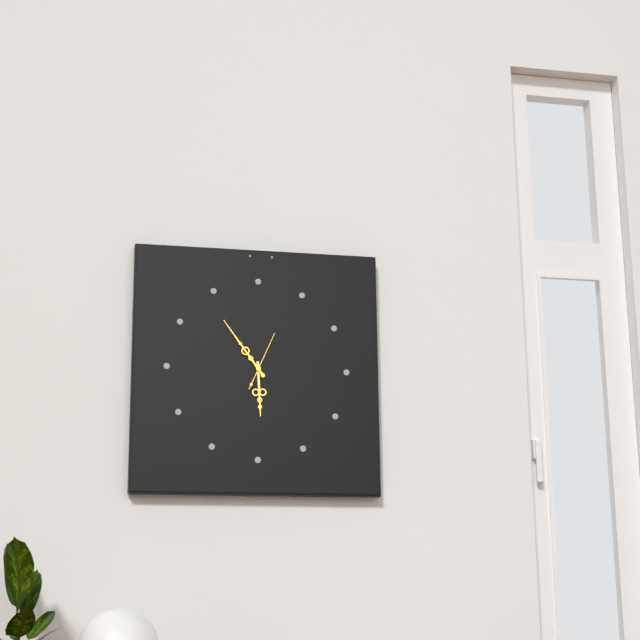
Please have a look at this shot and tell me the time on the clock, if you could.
5:54
